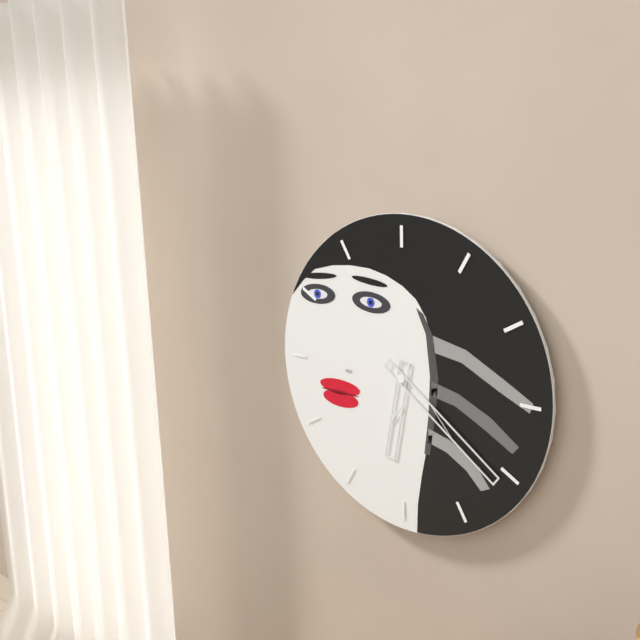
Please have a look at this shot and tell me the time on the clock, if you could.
6:21
